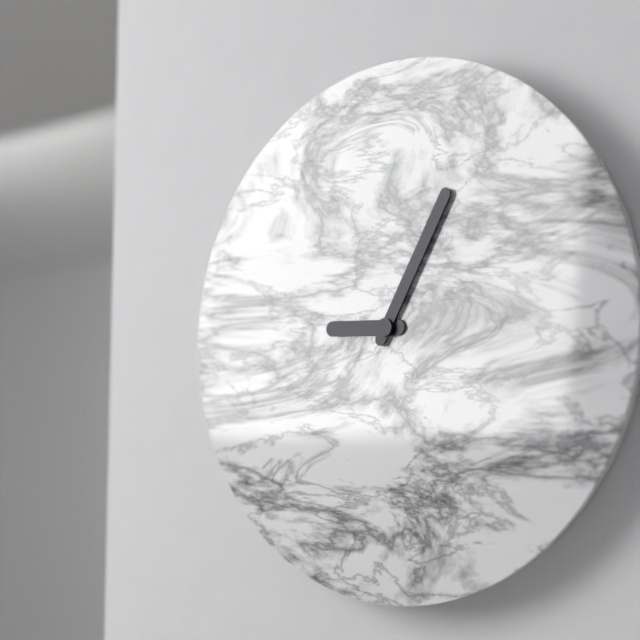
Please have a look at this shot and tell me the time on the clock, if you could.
9:05
